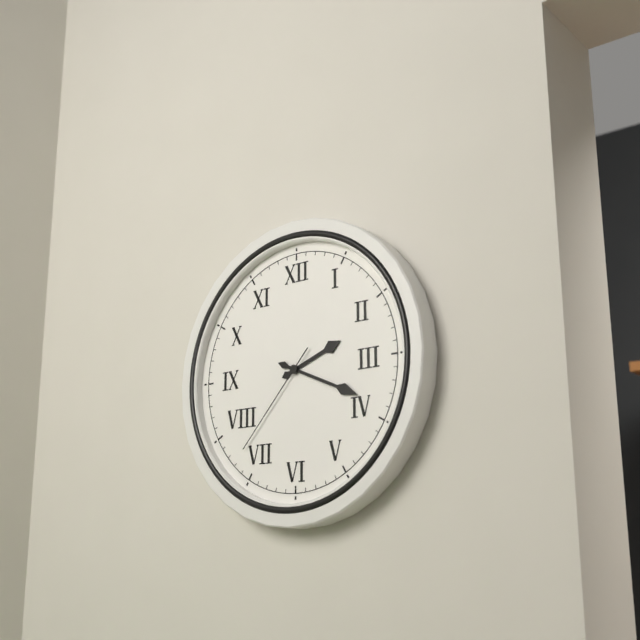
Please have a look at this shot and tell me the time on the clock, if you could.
2:19:37
